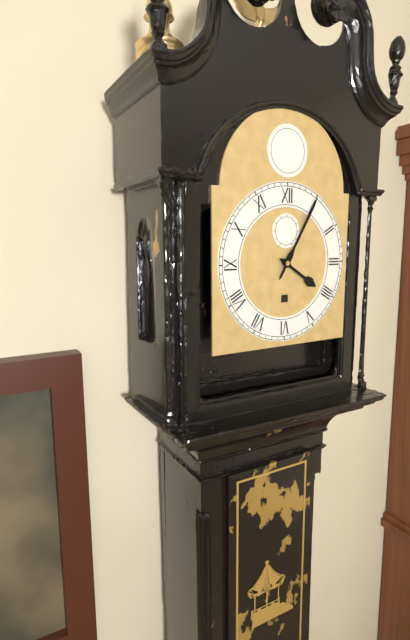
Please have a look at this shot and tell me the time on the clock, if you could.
4:05
